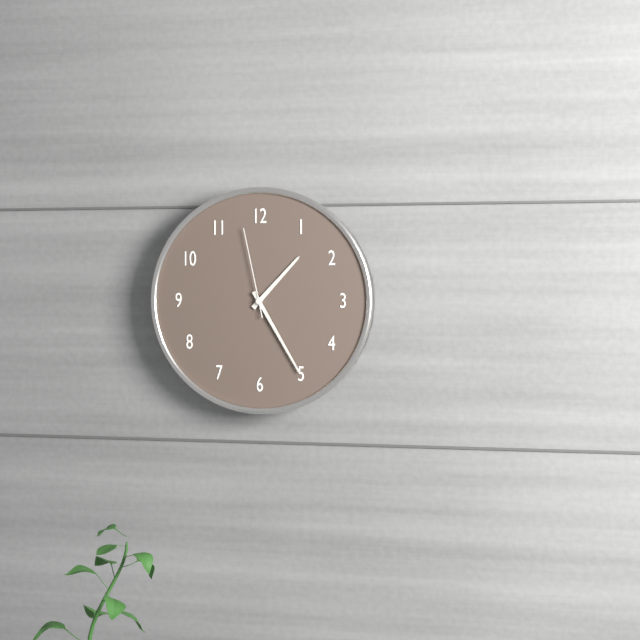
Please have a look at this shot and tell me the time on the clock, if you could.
1:25:58
